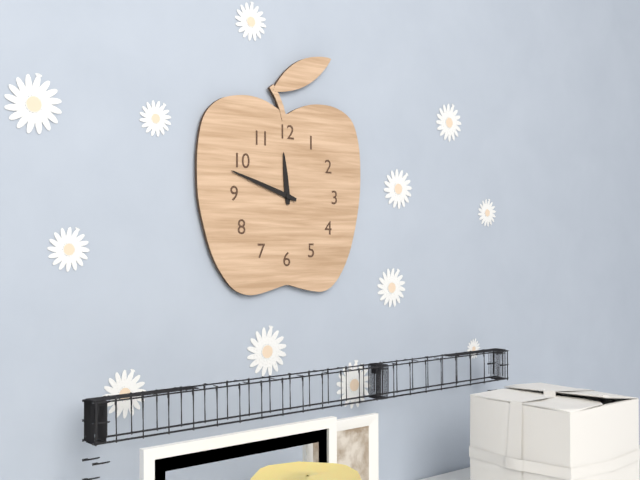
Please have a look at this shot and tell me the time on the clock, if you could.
11:48
